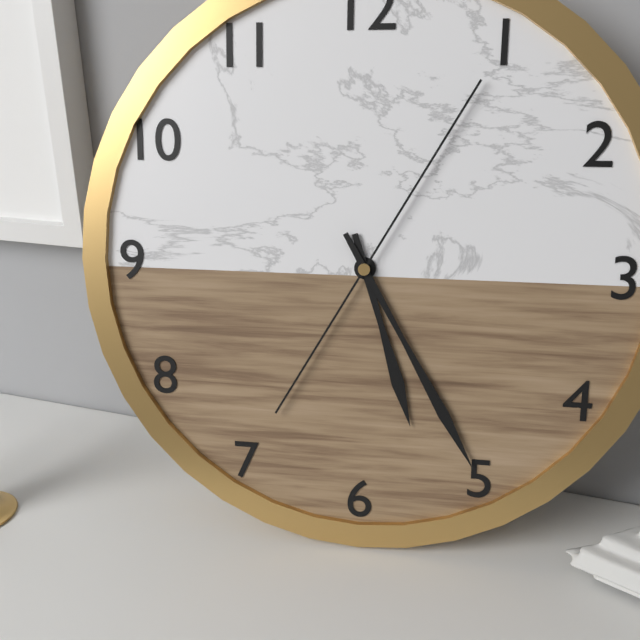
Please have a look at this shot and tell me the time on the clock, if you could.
5:25:05
